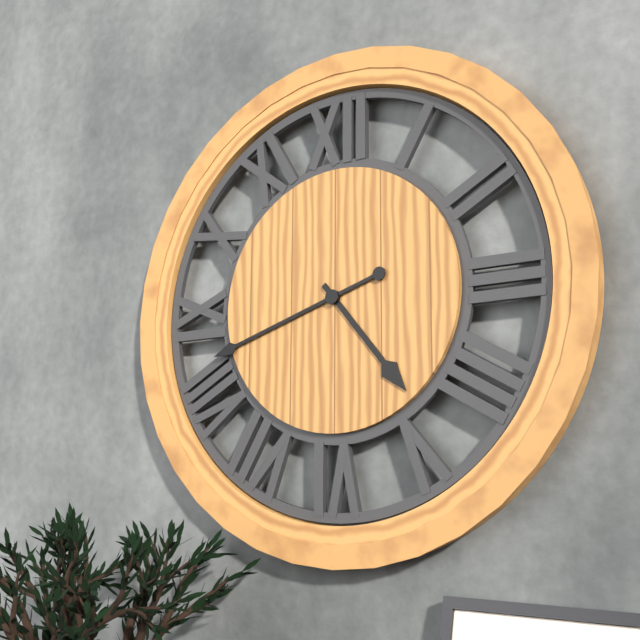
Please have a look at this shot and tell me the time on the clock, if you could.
4:42
